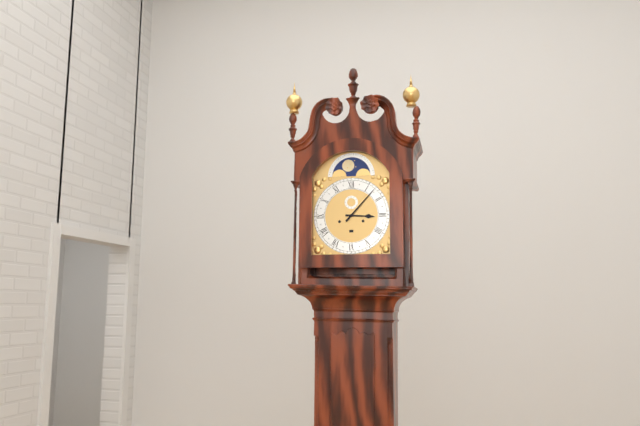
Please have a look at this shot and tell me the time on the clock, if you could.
3:07
